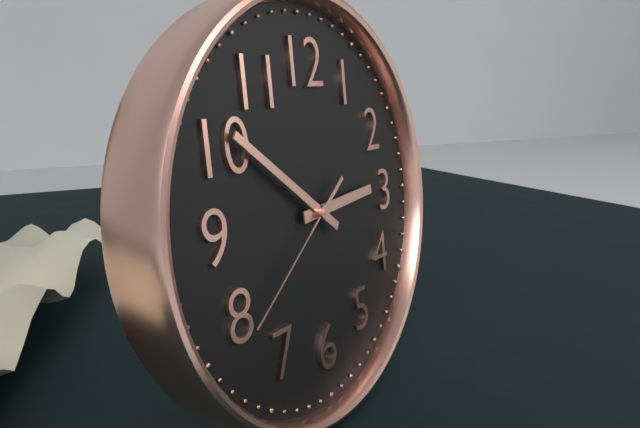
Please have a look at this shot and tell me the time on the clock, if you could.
2:51:39
